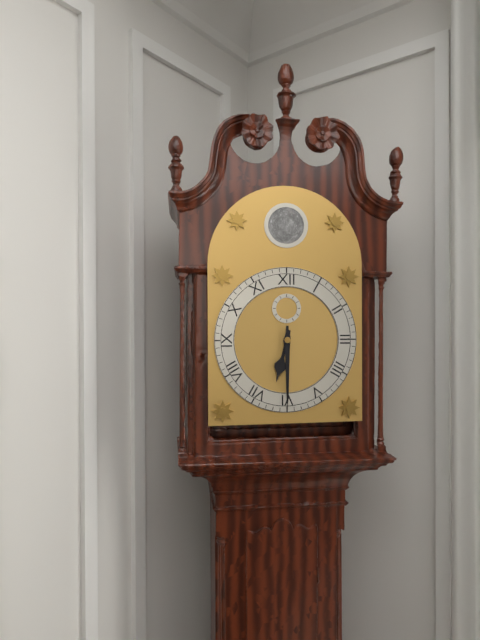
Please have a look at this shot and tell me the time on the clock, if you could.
6:30
